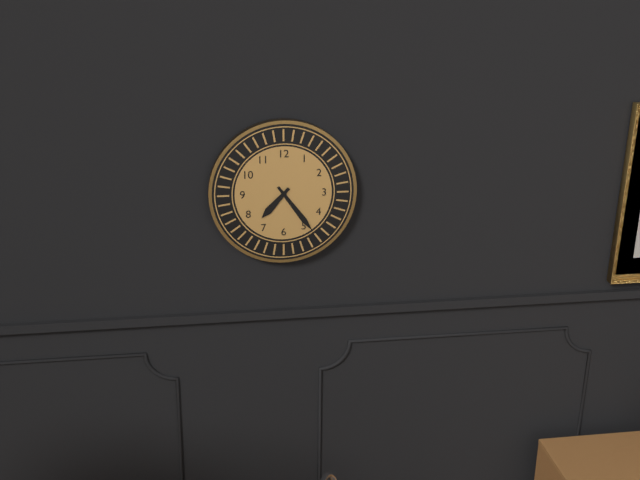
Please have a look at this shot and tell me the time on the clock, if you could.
7:24
